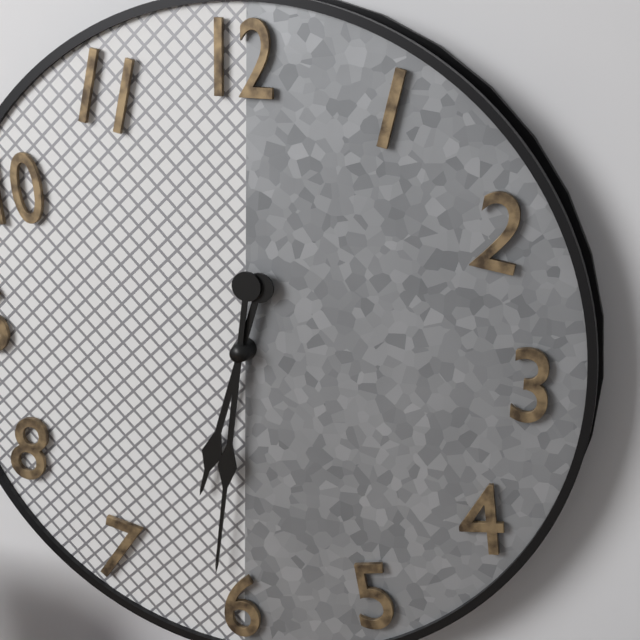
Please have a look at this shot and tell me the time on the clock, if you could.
6:31
